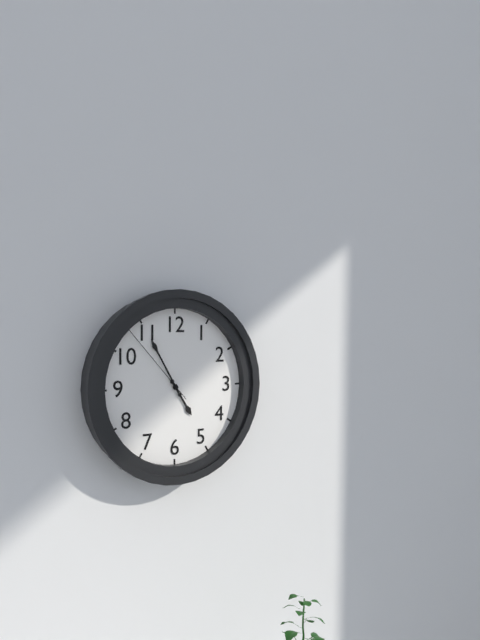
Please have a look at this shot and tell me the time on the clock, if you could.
4:55:53
